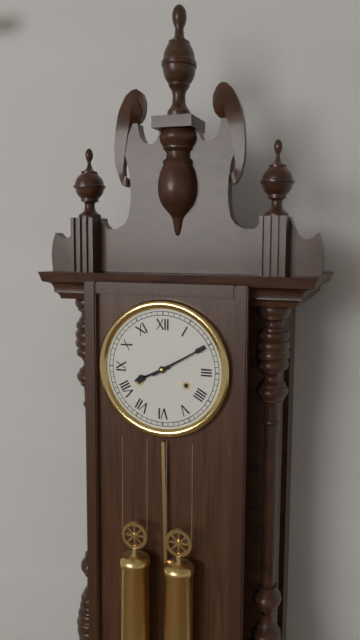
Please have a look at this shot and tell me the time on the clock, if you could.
8:10
